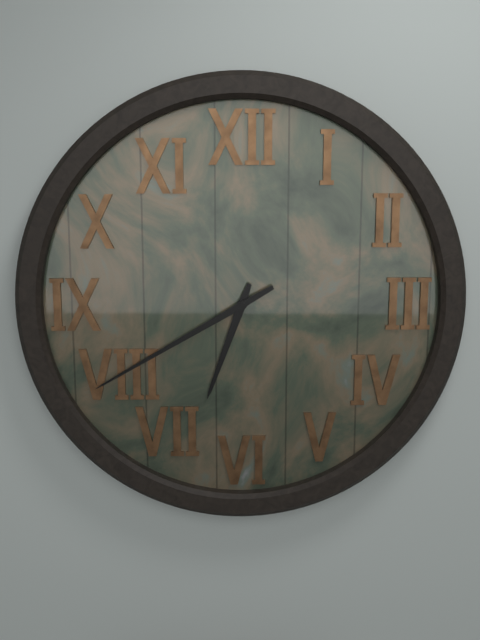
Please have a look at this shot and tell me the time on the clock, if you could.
6:40
